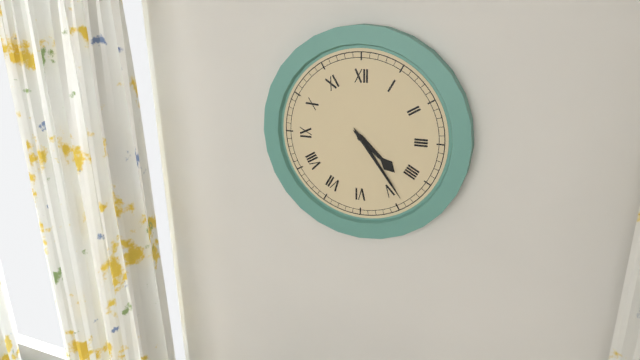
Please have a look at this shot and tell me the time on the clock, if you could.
4:24
